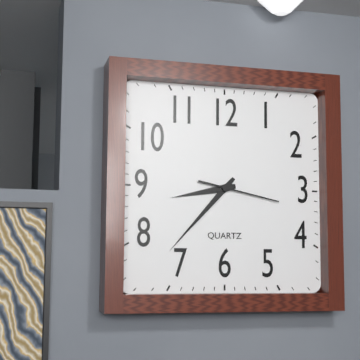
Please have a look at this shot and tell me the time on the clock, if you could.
8:37:17
